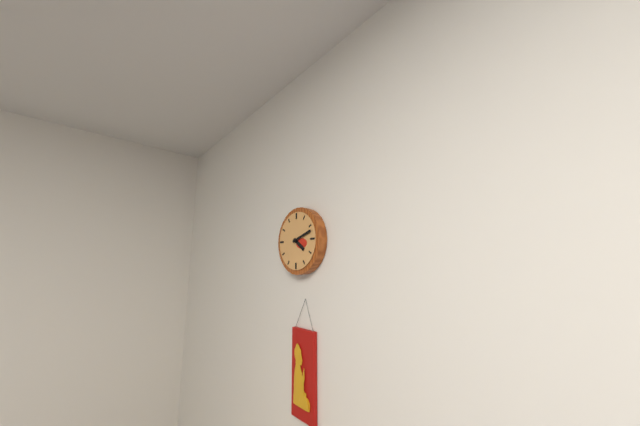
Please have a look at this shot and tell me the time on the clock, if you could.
4:12
